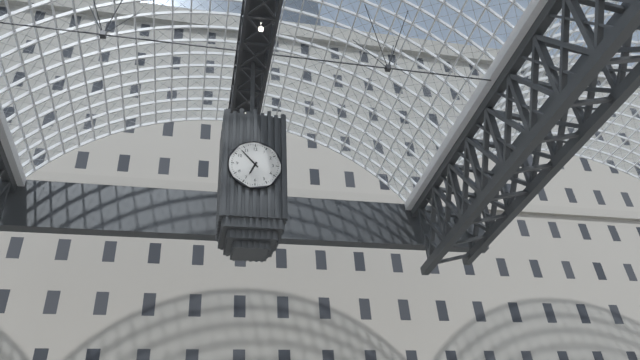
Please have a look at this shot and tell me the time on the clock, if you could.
6:53
